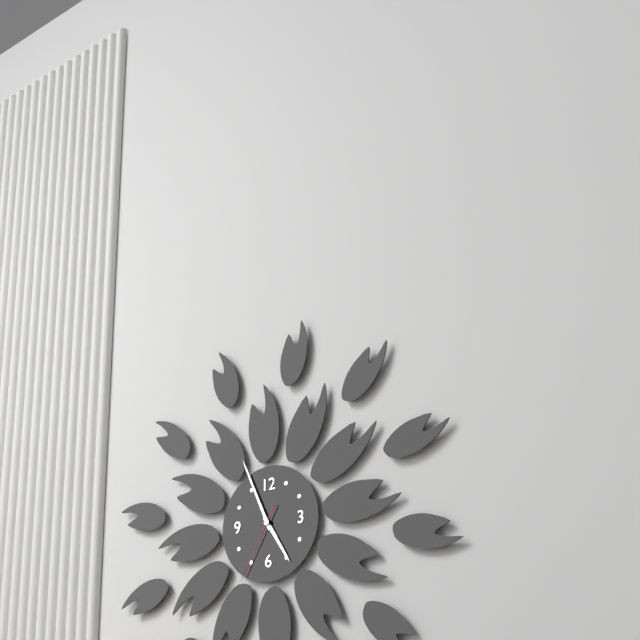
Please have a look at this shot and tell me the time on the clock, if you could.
4:56:35
